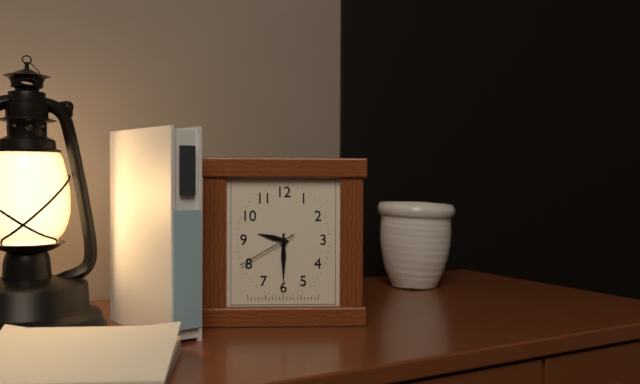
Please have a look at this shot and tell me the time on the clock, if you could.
9:30:40
